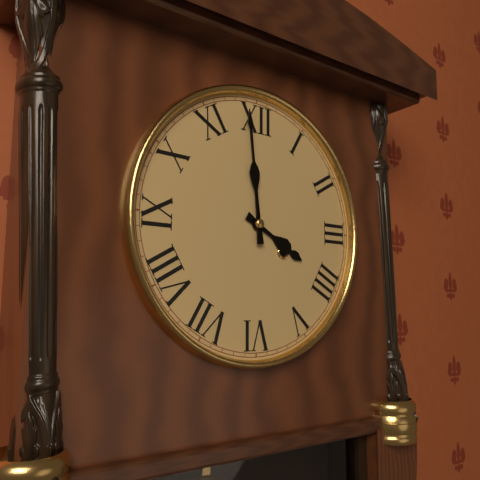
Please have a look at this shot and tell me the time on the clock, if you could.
3:59
